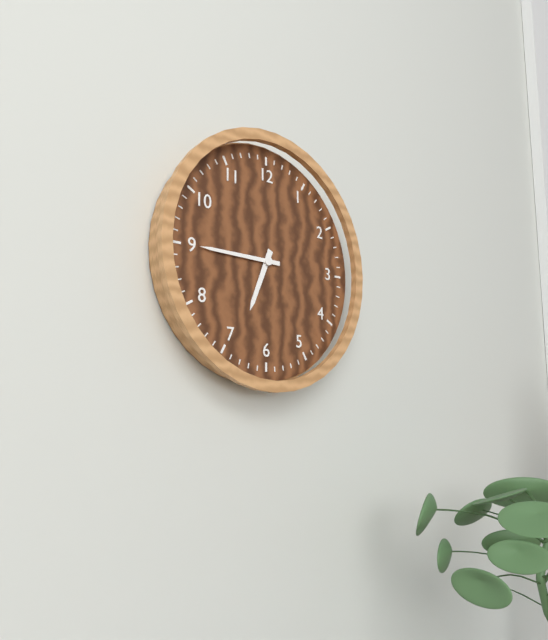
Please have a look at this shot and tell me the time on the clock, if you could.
6:45
